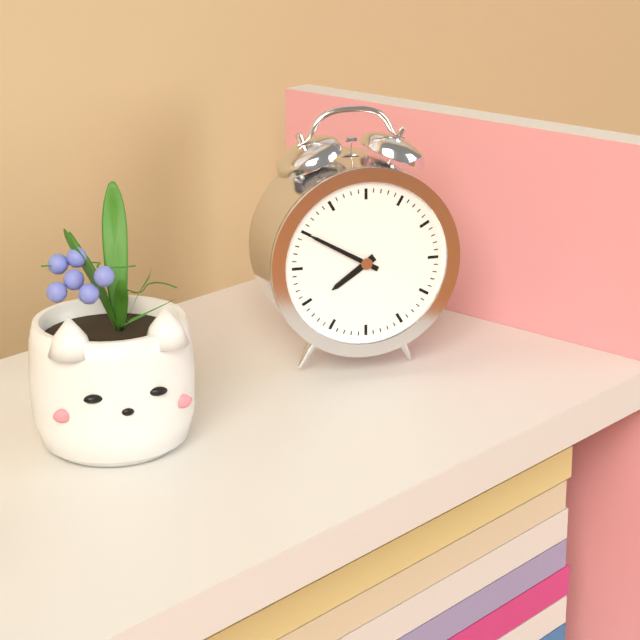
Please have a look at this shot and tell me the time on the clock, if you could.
7:50
